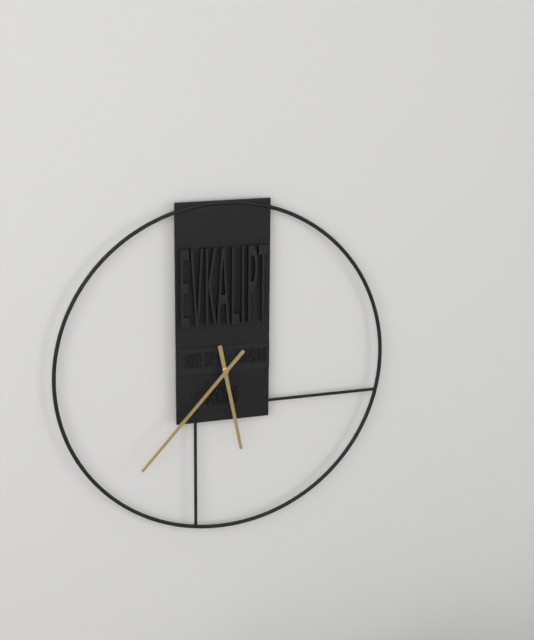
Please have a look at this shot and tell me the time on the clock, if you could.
5:37
